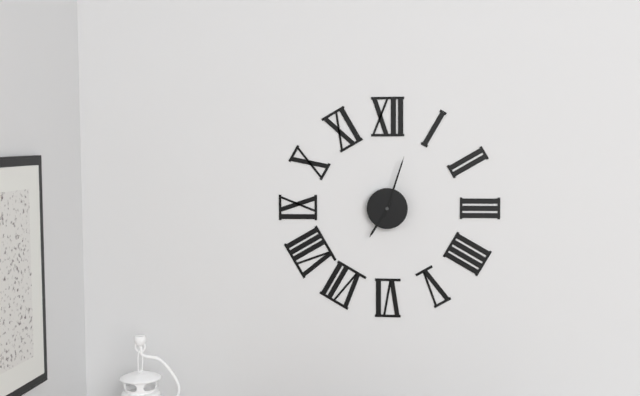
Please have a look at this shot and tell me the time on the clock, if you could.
7:03
